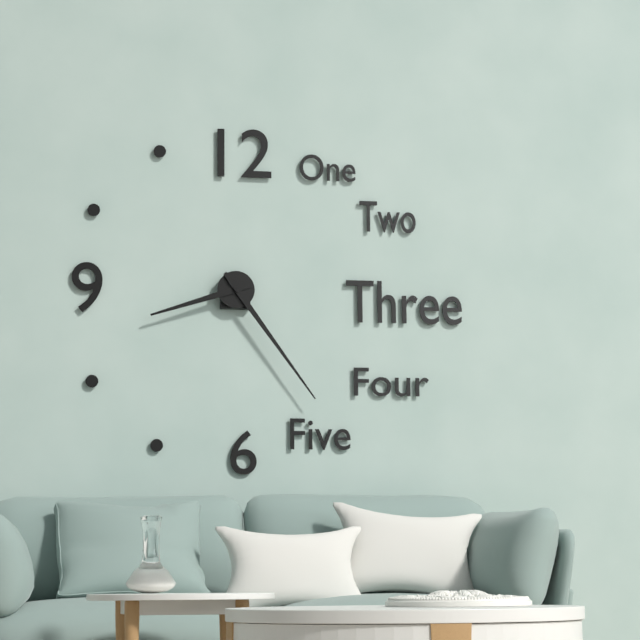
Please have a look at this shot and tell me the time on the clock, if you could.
8:24
